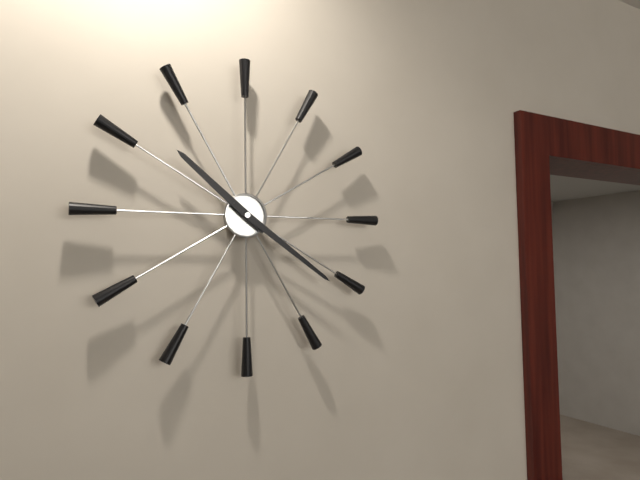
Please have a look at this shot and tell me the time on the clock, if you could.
10:21
